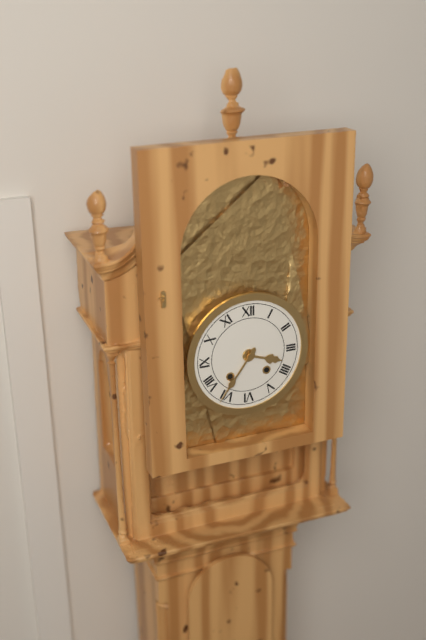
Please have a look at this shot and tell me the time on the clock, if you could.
3:36
